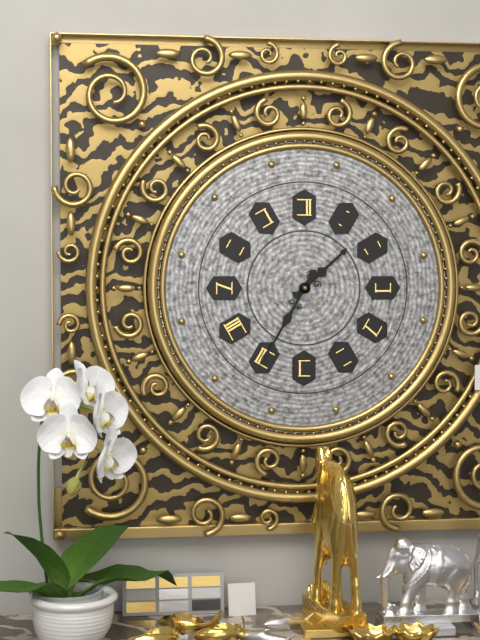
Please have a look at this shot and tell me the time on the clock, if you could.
1:35
